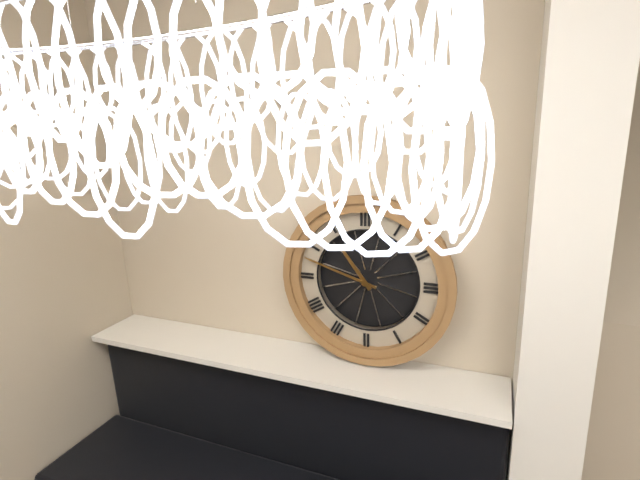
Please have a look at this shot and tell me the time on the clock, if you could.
10:48
